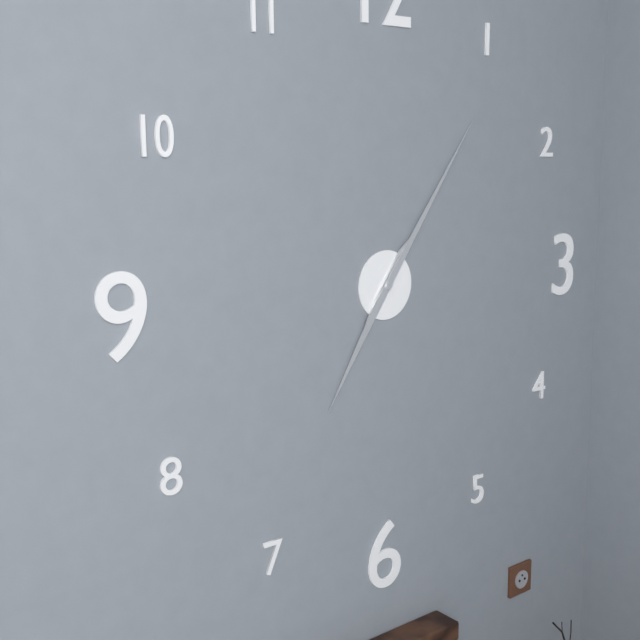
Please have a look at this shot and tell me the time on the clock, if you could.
7:06
